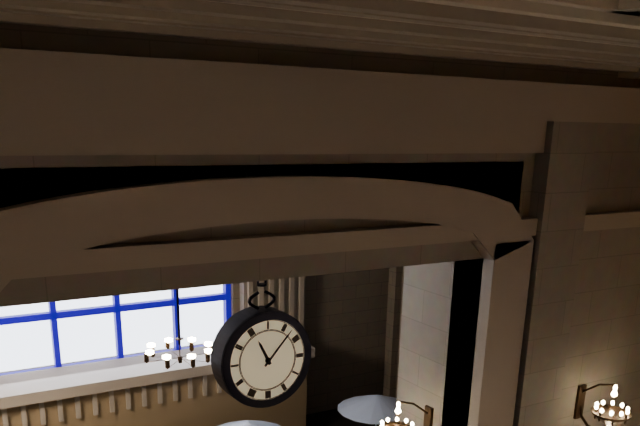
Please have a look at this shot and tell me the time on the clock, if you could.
11:07
